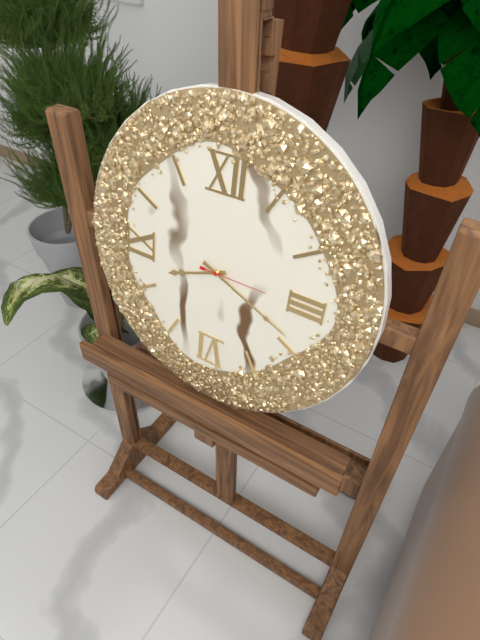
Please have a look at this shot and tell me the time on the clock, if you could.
8:19:15
